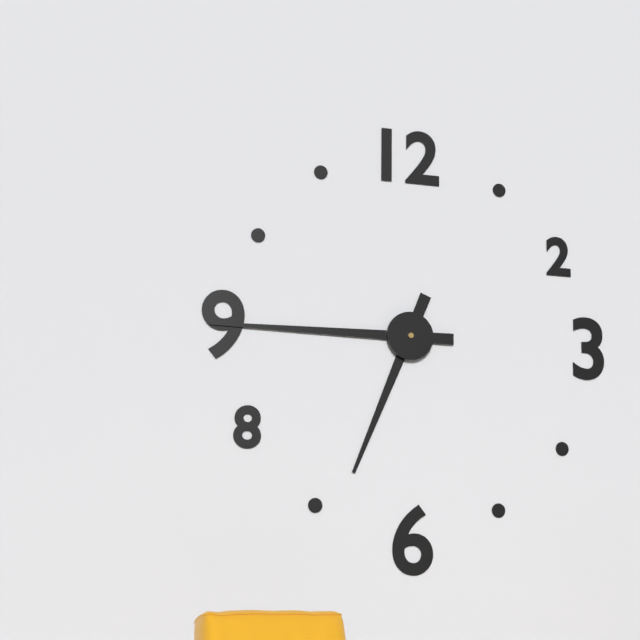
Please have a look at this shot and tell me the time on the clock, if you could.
6:45
